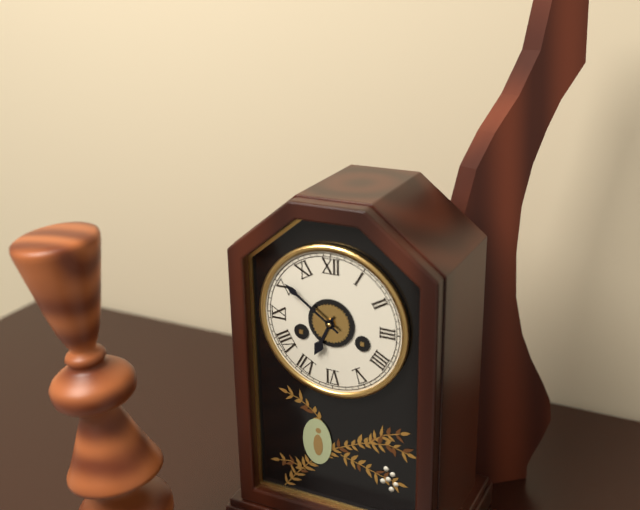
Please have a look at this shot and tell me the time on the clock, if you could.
6:51
